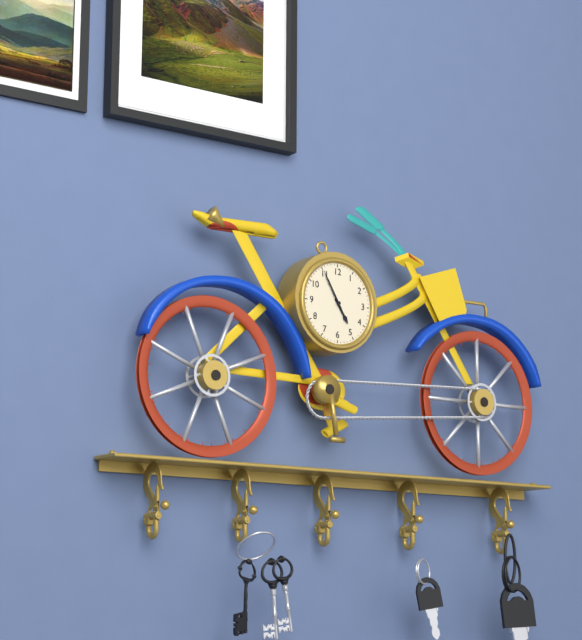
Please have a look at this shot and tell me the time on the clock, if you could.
4:55
